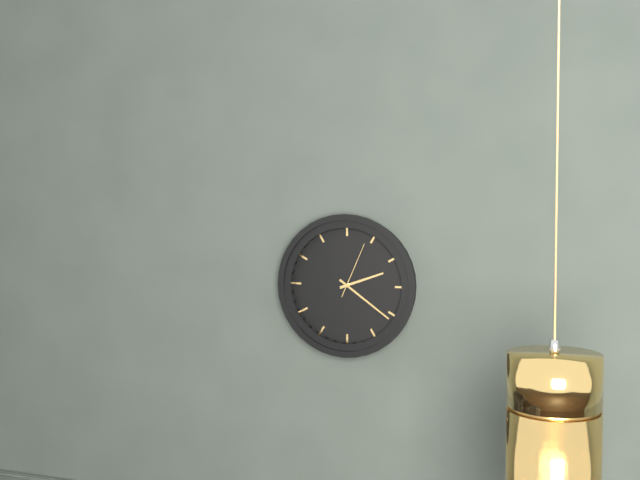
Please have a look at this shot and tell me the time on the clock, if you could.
2:21:04
